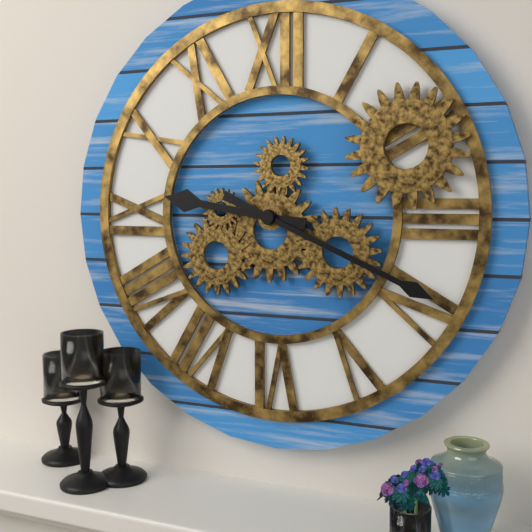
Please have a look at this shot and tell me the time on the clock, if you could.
9:19
